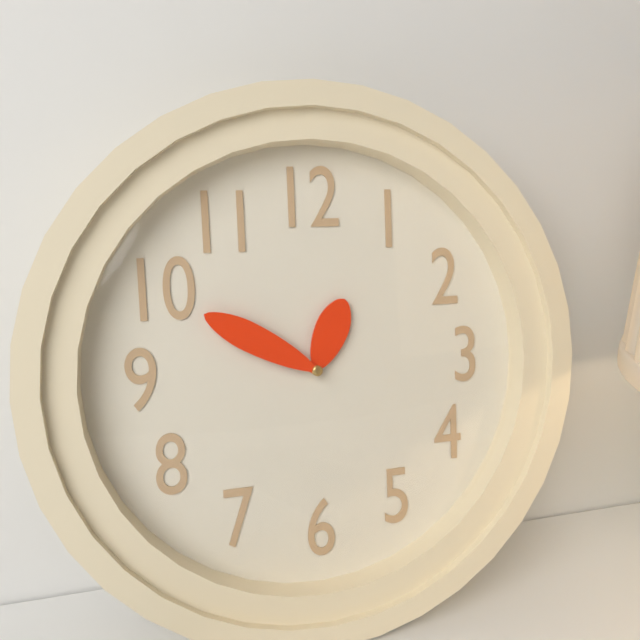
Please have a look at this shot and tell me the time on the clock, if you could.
12:50
